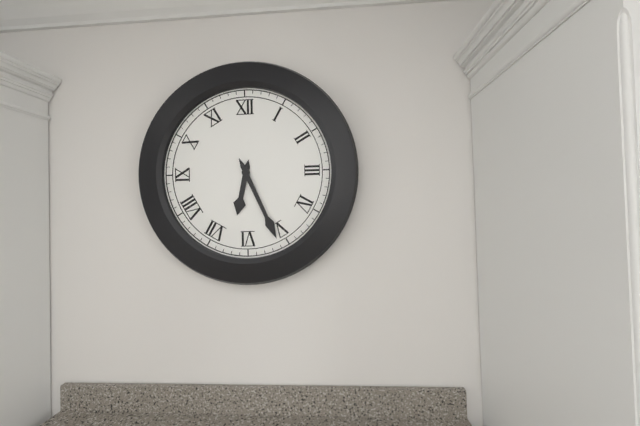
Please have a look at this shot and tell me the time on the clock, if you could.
6:26
